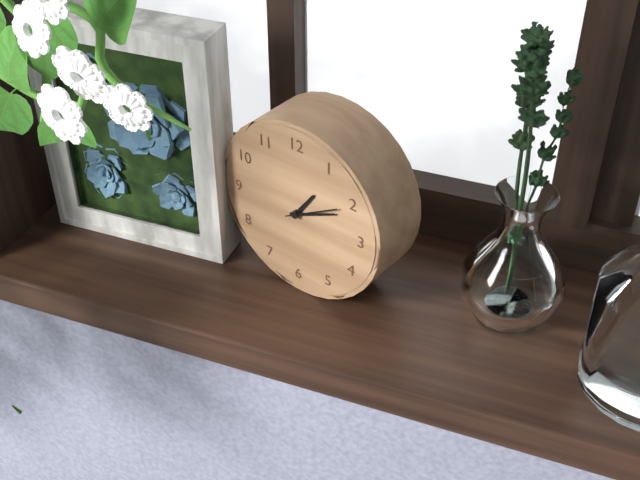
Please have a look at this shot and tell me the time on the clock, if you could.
1:11
